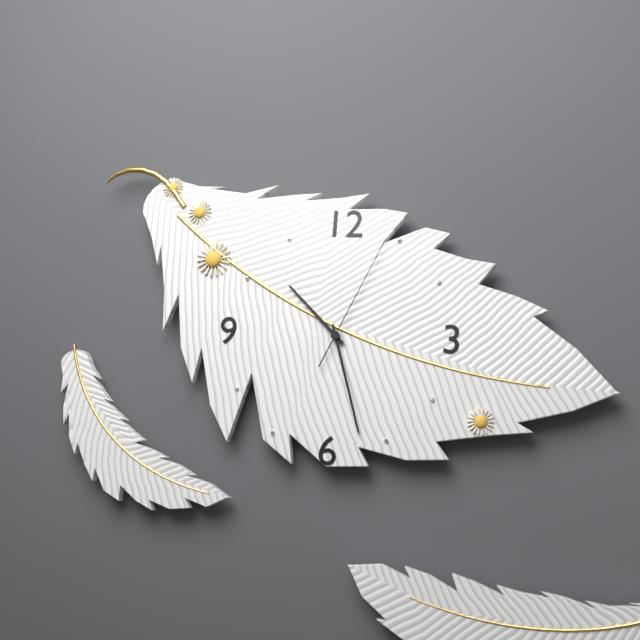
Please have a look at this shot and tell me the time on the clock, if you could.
10:27:04
